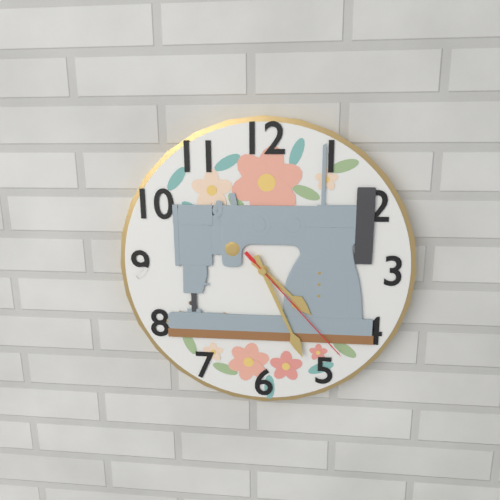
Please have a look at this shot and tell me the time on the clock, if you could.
4:26:23
